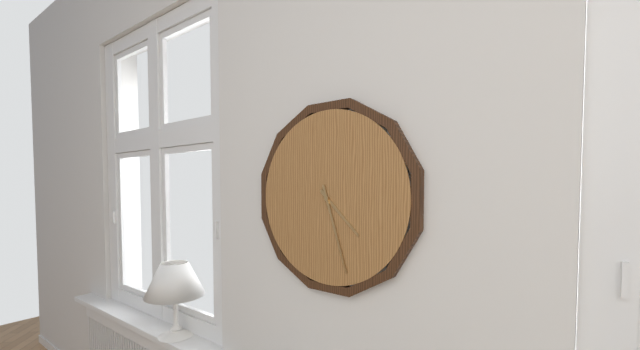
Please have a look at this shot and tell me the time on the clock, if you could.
4:27
